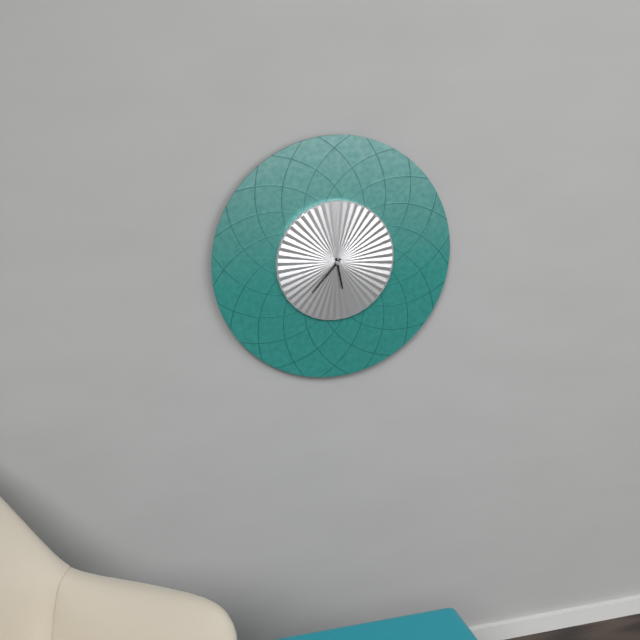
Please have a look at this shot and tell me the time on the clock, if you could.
5:37
